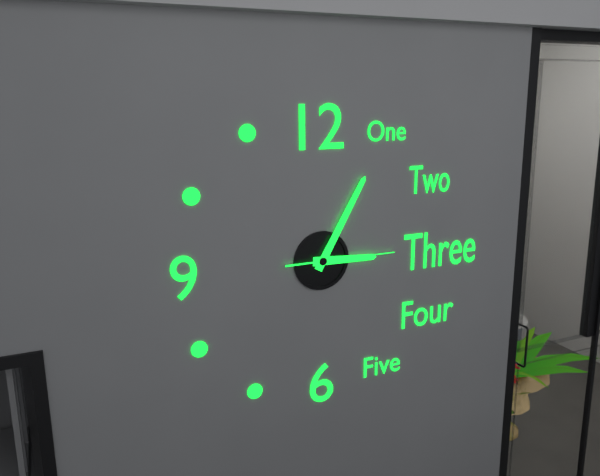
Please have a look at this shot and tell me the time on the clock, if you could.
3:05:15
